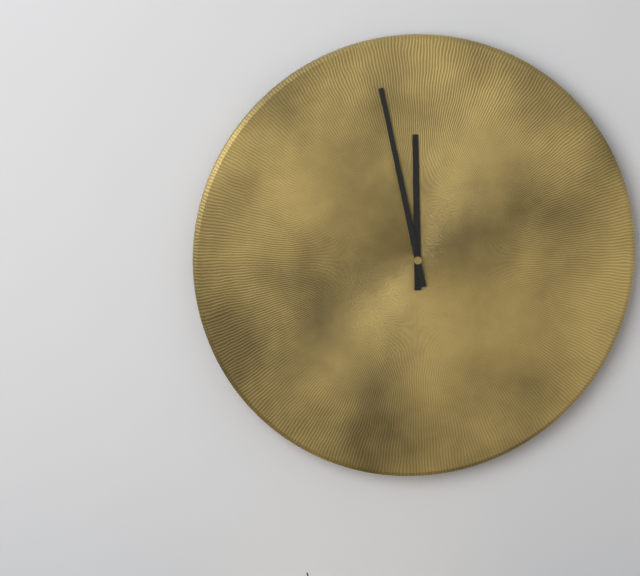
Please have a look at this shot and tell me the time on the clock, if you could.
11:58
